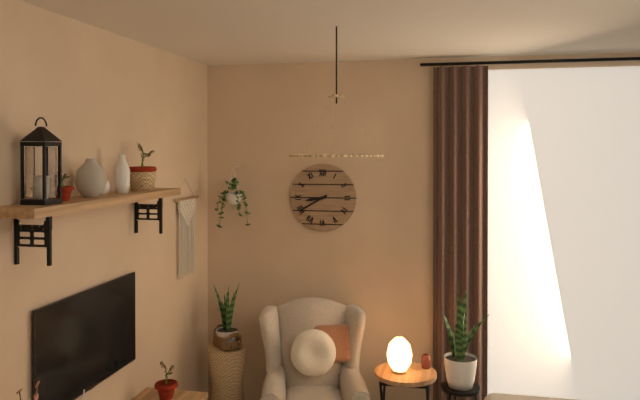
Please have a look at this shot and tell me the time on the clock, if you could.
8:40
